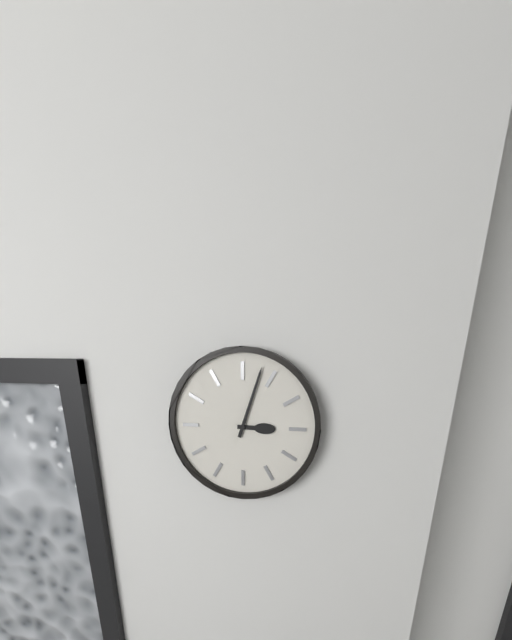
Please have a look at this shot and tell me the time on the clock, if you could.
3:03
